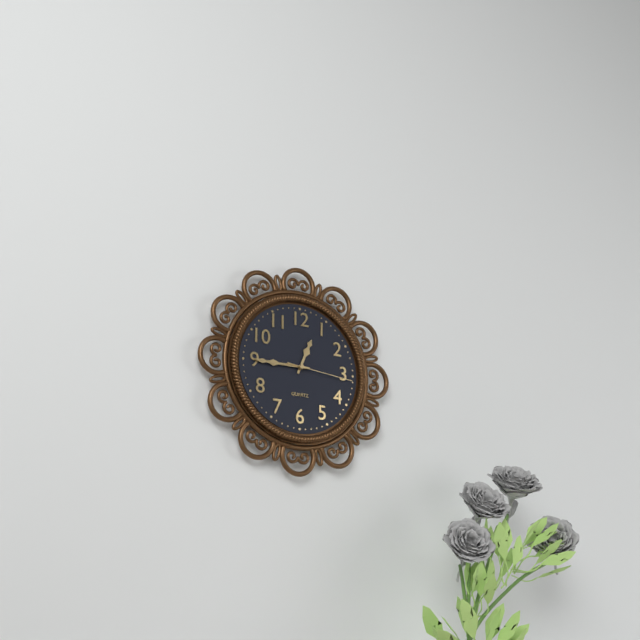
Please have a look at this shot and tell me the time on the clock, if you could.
12:45:16
